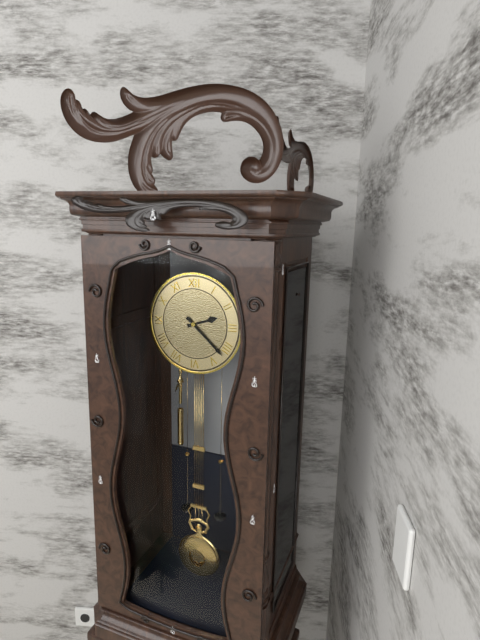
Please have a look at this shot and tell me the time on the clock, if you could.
2:22
